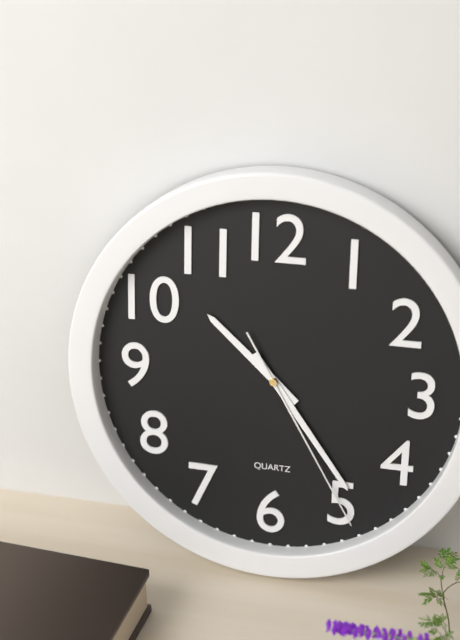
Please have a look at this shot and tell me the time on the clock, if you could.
10:24:25
